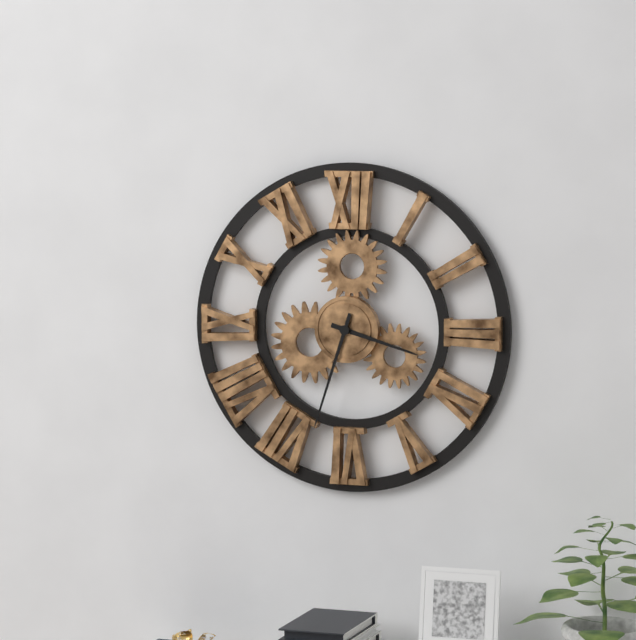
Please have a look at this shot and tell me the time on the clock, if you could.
3:33
